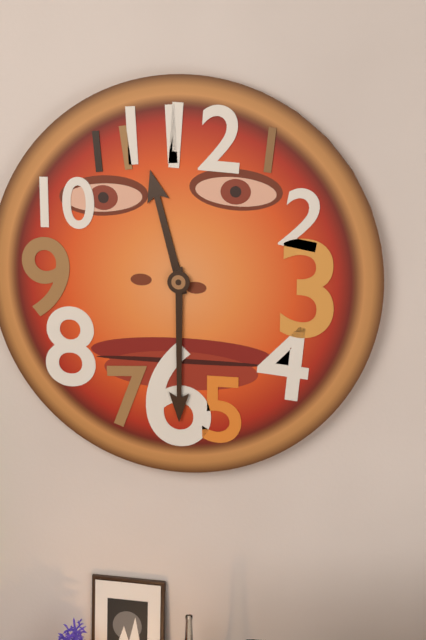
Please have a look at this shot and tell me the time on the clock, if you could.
11:30
